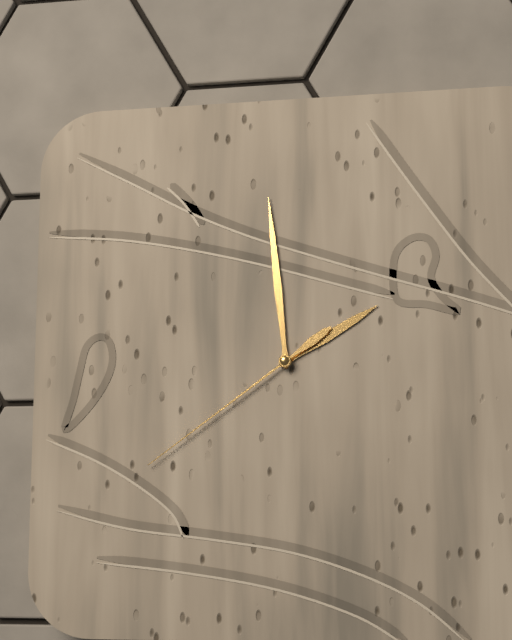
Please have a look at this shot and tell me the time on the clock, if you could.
1:59:39
